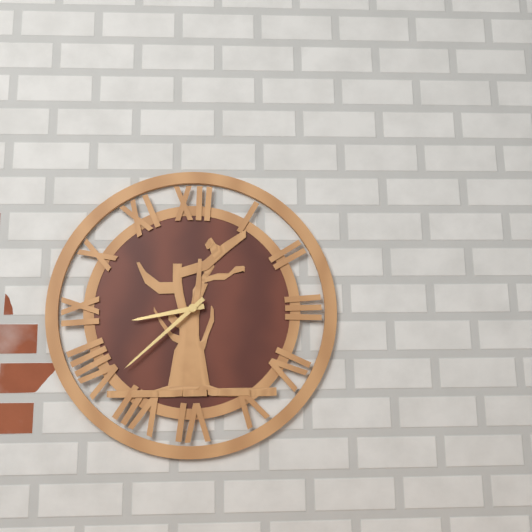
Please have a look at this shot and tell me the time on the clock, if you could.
8:38
